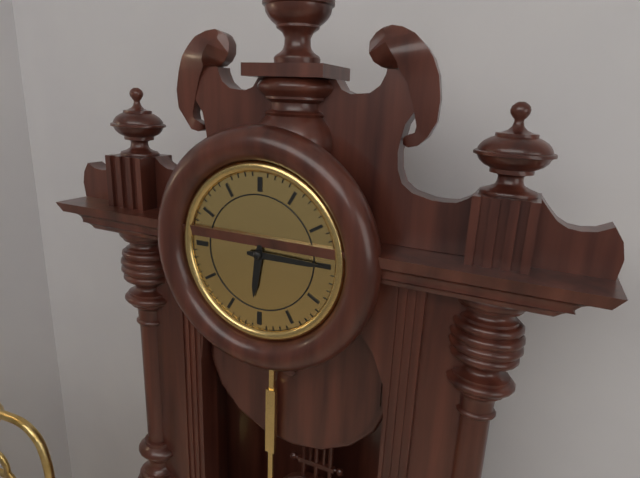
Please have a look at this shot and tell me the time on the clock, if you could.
6:15
